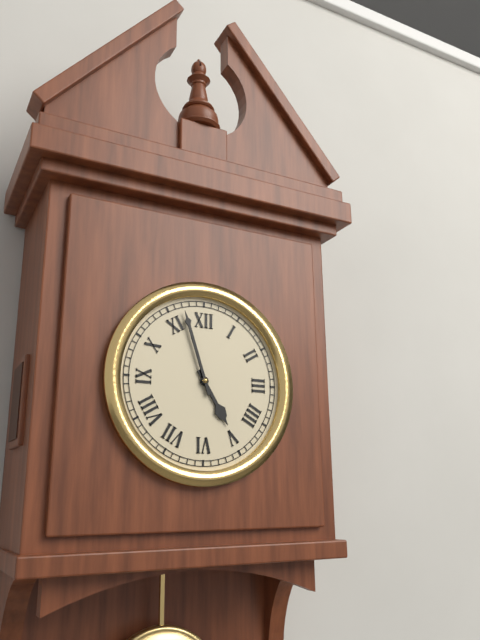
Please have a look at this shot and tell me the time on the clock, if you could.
4:57
